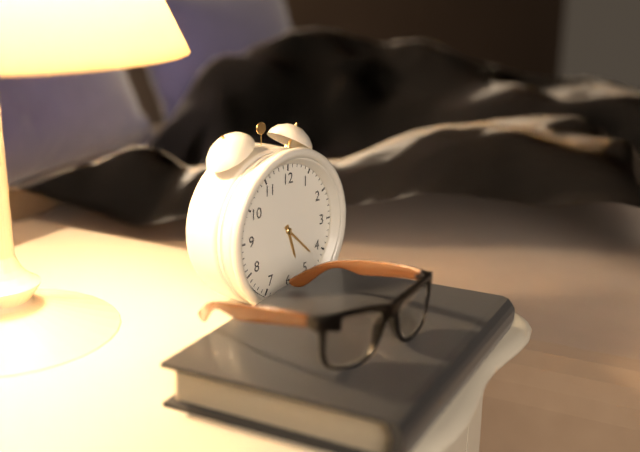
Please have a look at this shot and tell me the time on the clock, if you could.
5:22
